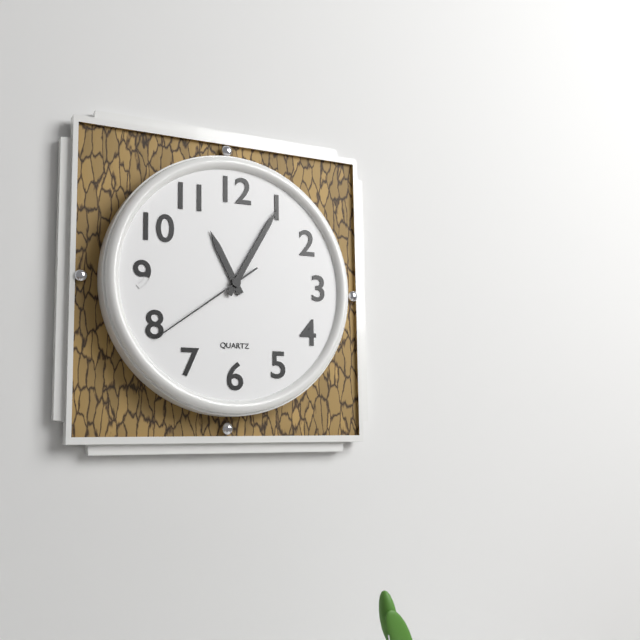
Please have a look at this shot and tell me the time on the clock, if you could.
11:05:39
